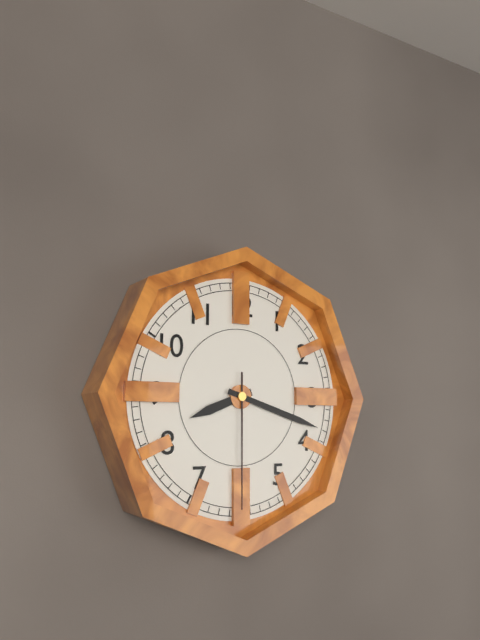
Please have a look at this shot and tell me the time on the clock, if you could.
8:18:30
